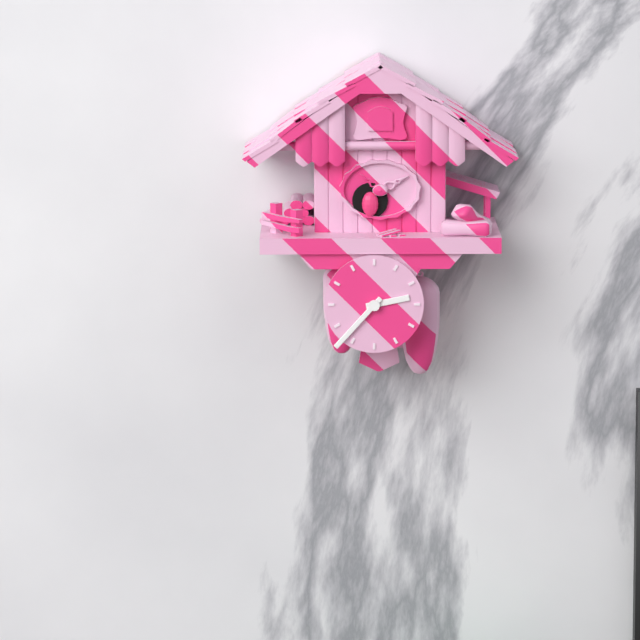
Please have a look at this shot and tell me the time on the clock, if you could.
2:37
